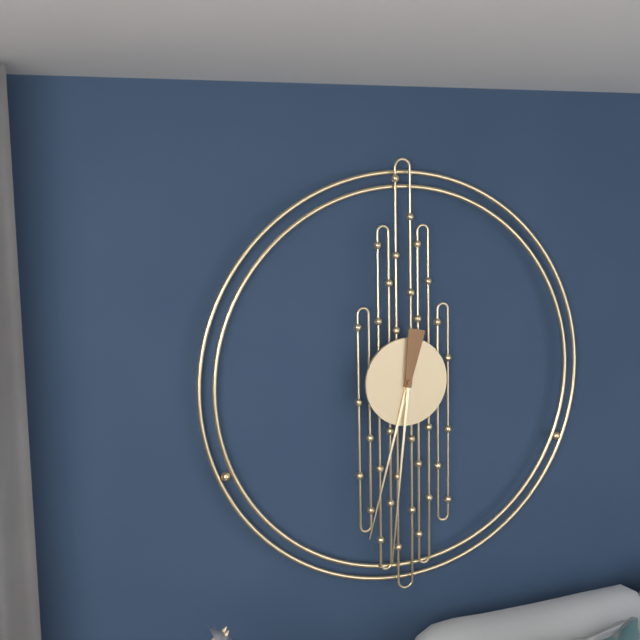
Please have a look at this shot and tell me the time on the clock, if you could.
6:31
